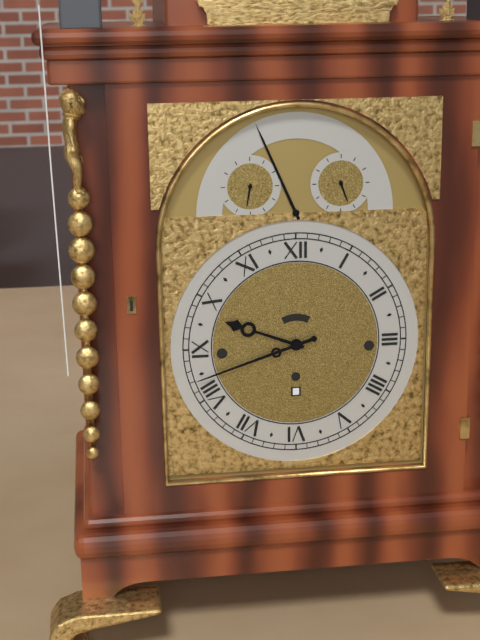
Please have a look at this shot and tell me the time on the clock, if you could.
9:42
